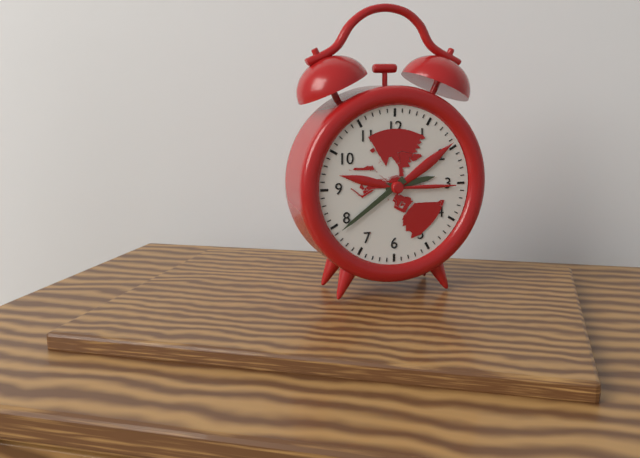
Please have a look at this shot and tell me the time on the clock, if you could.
2:39
